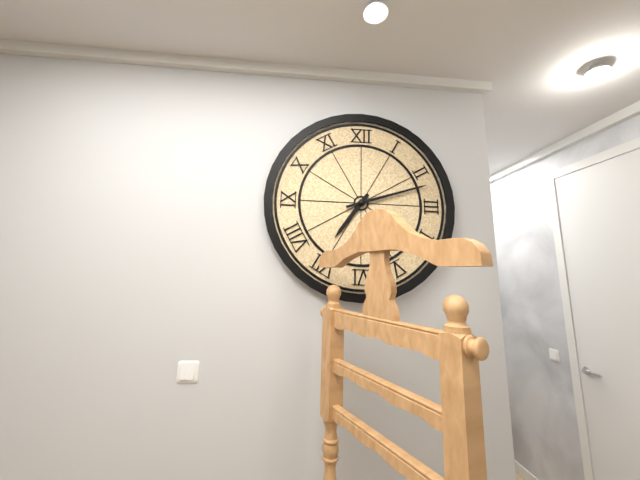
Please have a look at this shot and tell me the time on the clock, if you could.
7:12
